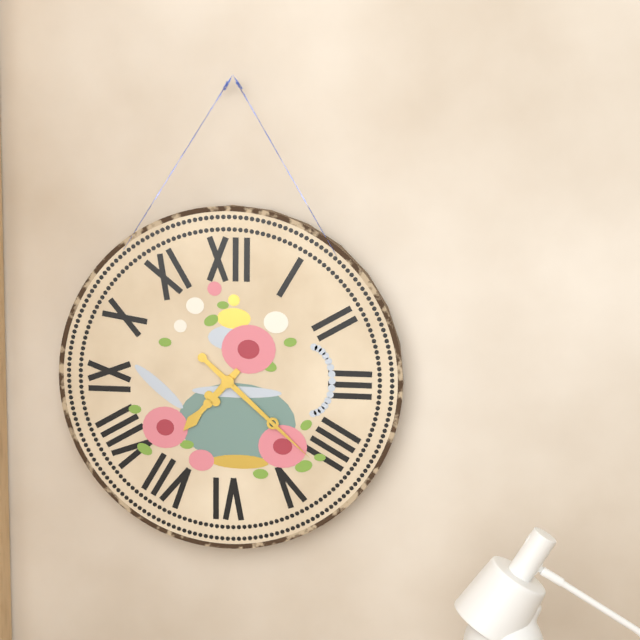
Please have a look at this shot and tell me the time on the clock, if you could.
7:22
